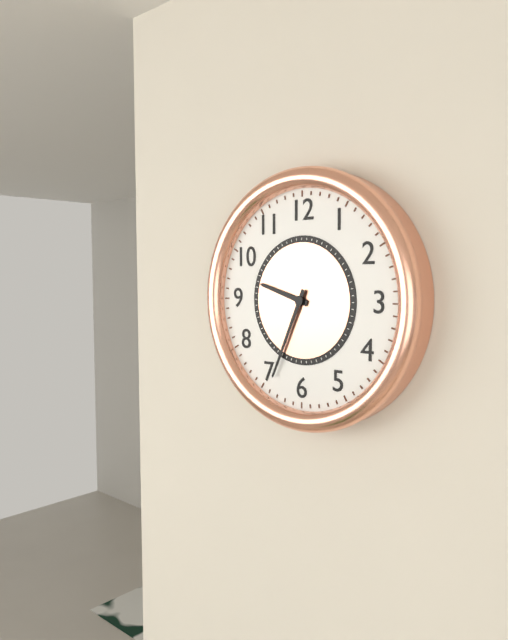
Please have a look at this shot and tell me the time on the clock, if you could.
9:34
